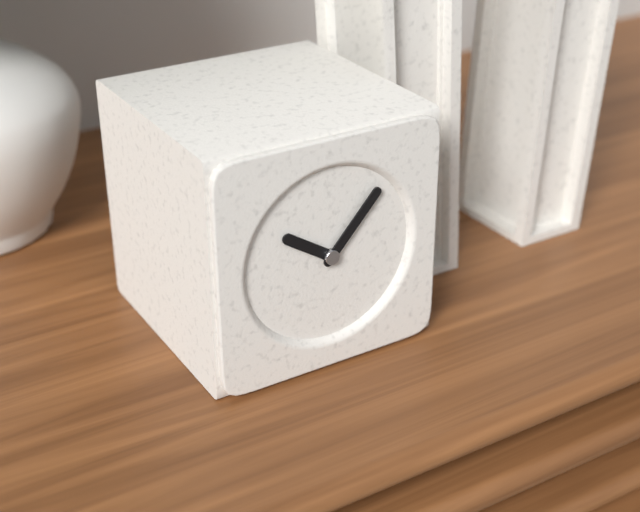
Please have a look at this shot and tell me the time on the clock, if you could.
10:07
